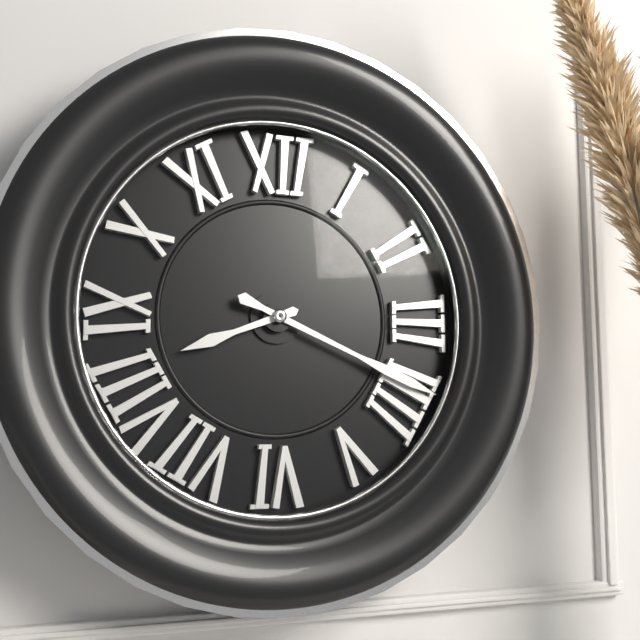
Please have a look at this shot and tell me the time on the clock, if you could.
8:19
